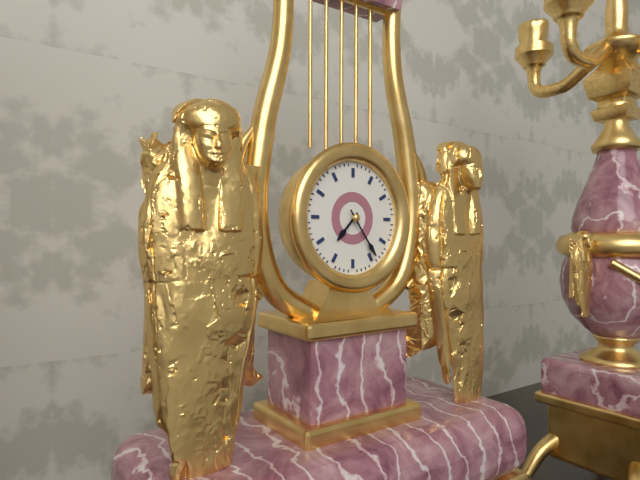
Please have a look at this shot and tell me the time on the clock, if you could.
7:24
